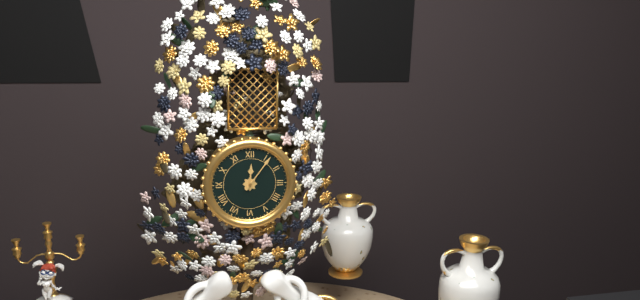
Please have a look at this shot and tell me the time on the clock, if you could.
12:06
